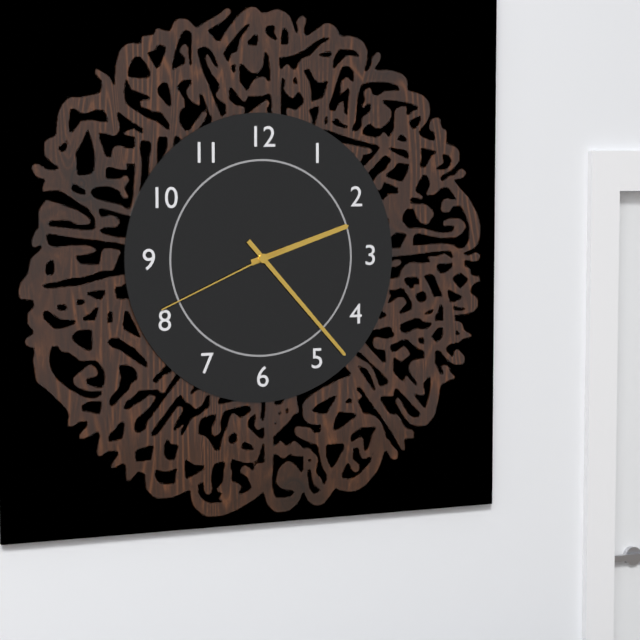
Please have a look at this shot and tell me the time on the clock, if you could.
2:23:41
